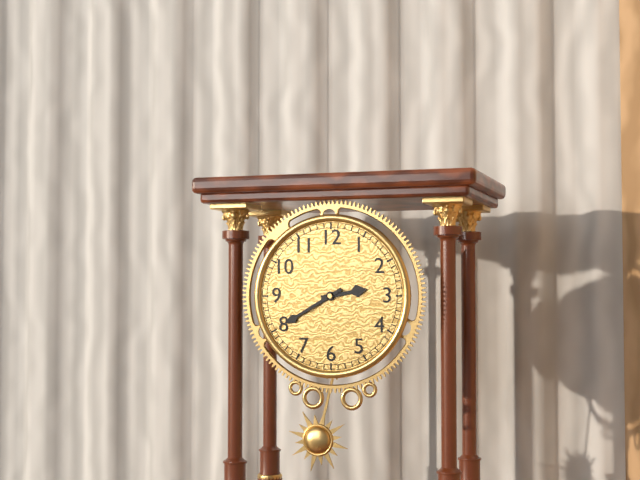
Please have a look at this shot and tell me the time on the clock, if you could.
2:40
